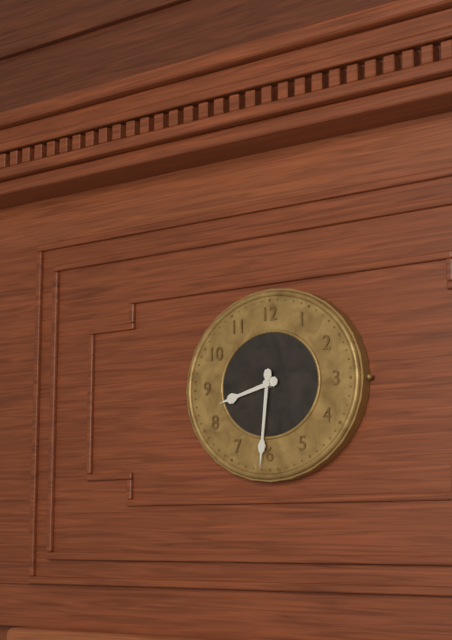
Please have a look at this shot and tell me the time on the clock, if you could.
8:31
